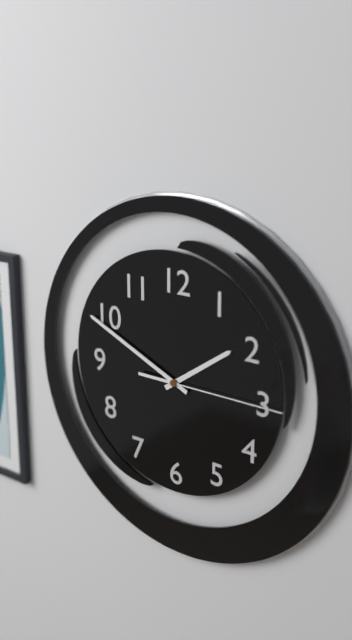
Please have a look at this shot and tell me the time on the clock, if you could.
1:49:15
